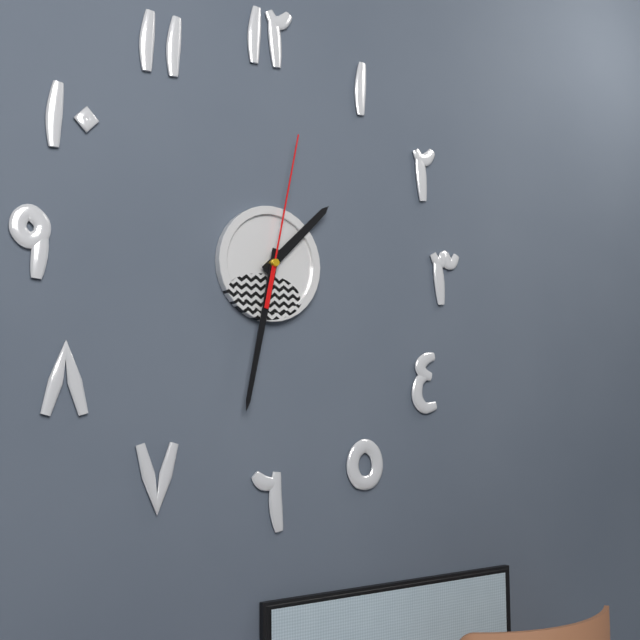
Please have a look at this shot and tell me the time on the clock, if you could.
1:32:02
